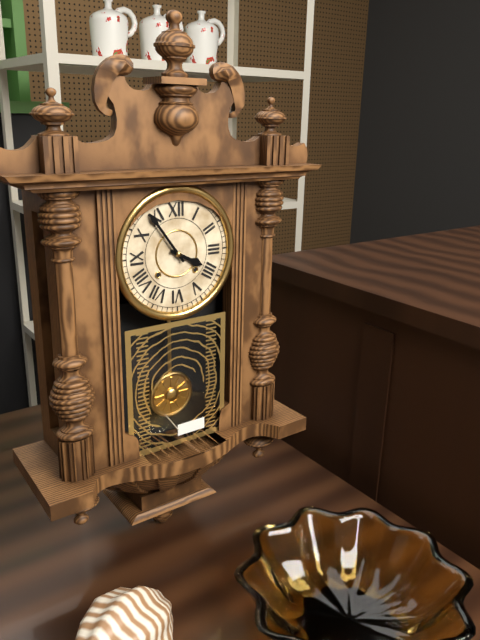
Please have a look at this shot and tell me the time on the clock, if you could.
3:54
